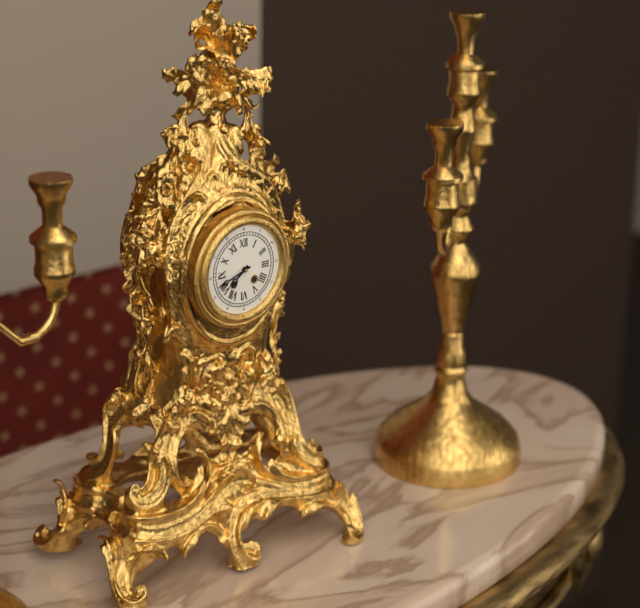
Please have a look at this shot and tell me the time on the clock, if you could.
7:42
